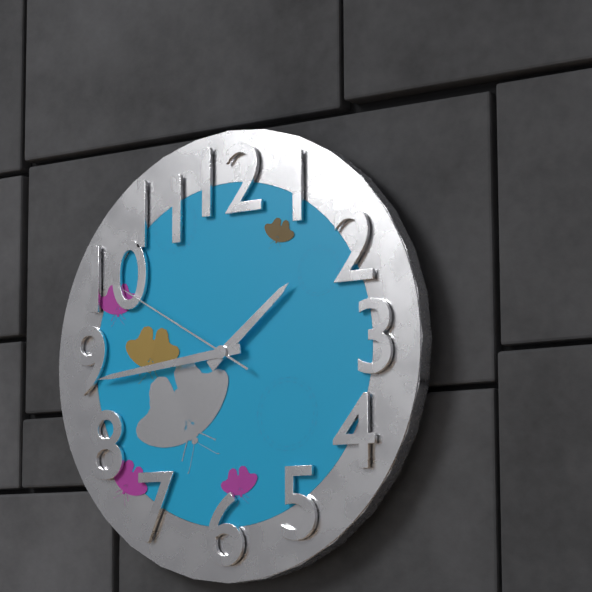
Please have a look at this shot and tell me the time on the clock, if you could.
1:44:50
